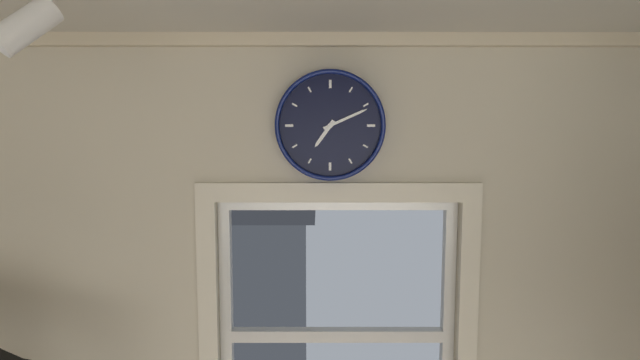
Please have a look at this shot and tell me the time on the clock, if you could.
7:11
